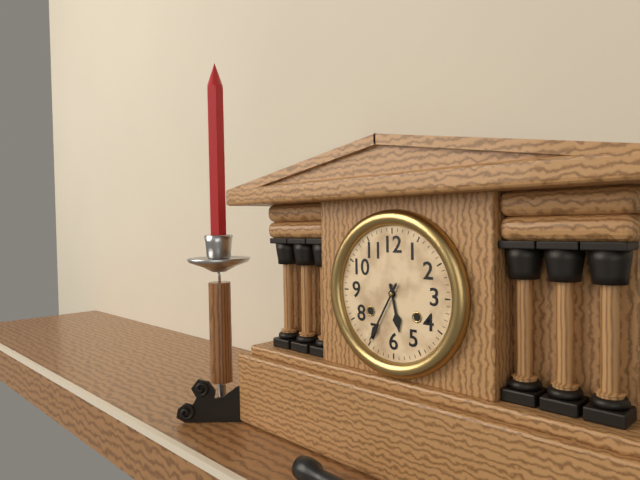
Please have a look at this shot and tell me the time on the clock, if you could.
5:35
